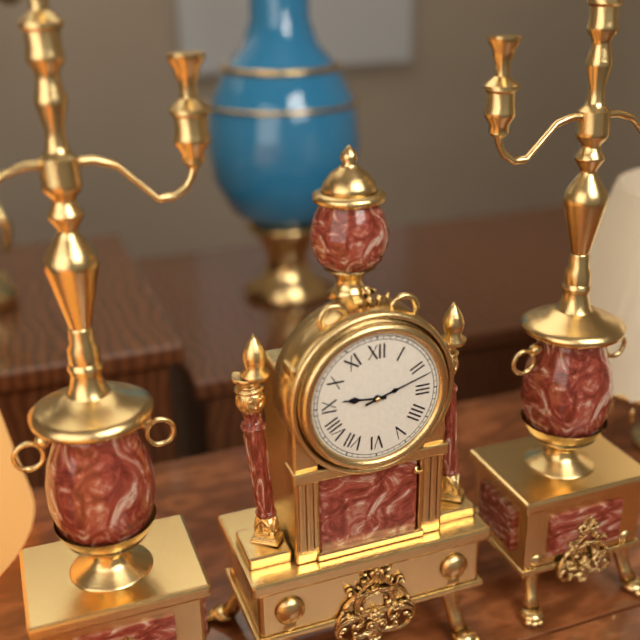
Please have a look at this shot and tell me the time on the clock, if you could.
9:12
